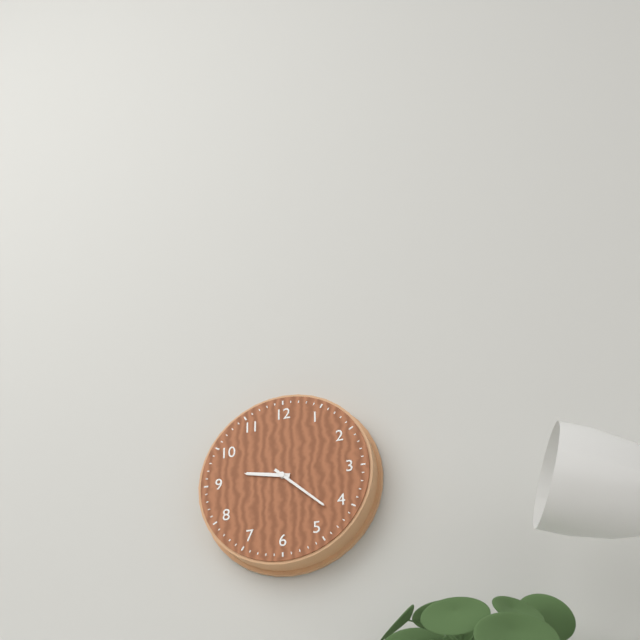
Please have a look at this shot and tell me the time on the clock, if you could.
9:22
